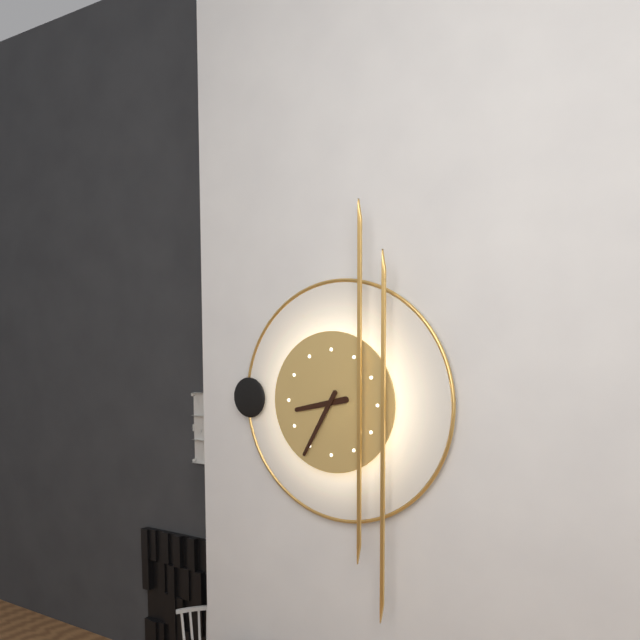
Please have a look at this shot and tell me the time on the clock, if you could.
8:35
